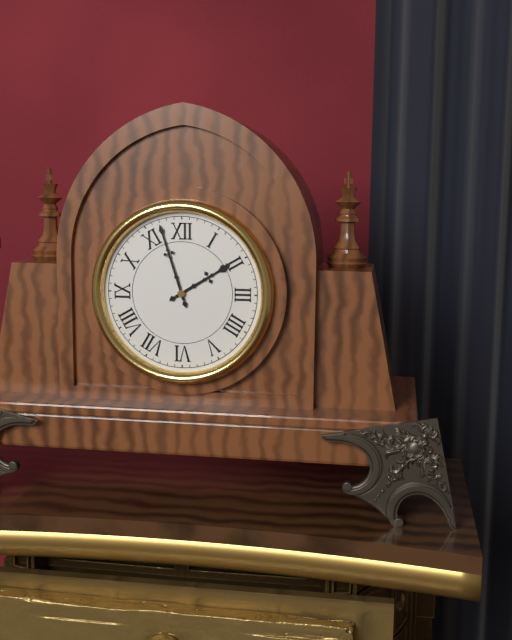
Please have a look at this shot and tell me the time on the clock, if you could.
1:57
